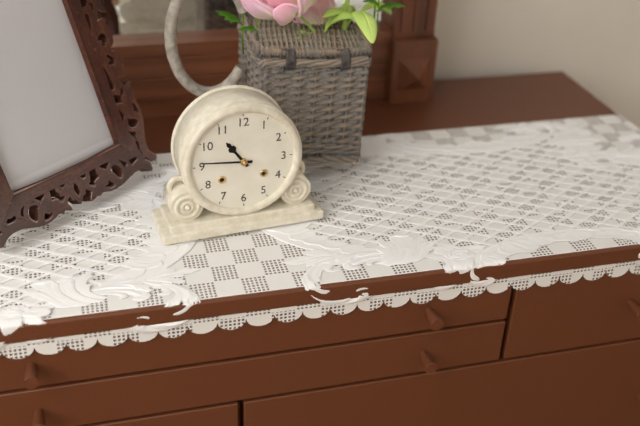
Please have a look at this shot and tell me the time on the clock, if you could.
10:46
